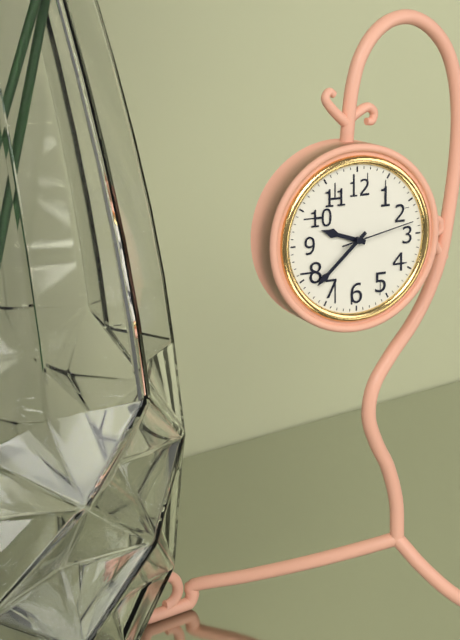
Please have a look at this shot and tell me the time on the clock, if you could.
9:38:13
